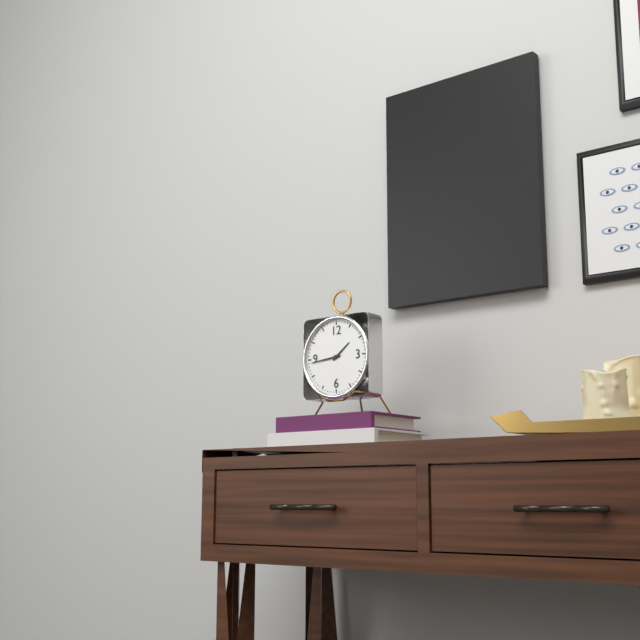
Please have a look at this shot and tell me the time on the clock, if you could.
1:44
